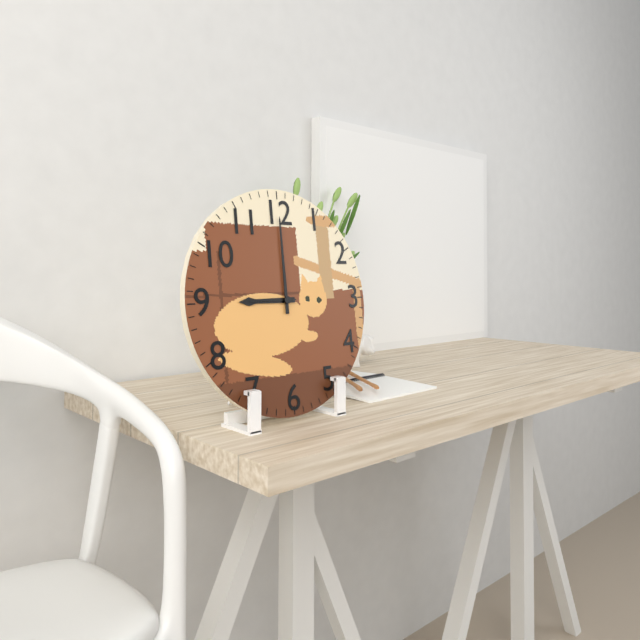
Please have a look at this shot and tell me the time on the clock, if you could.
9:00
